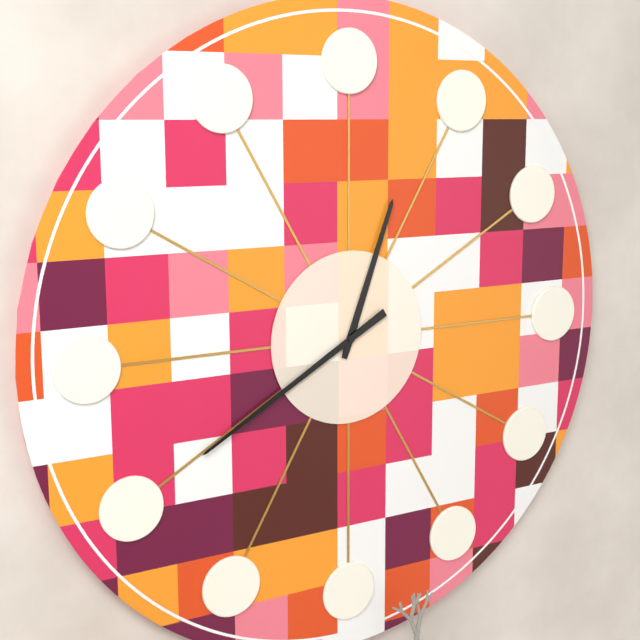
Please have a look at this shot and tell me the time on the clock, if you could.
12:40
